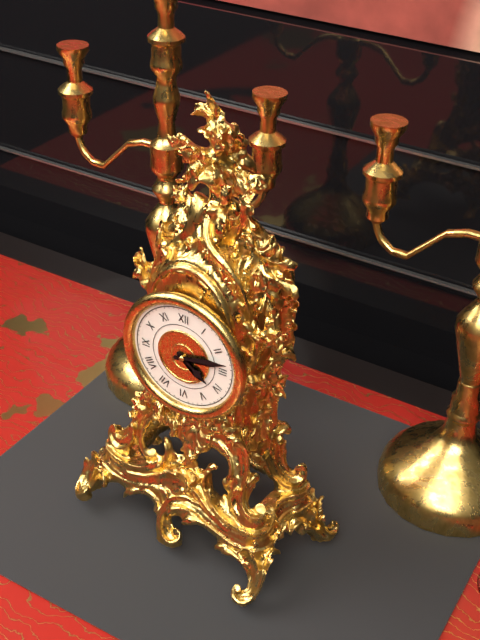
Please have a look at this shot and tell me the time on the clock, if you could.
4:13
